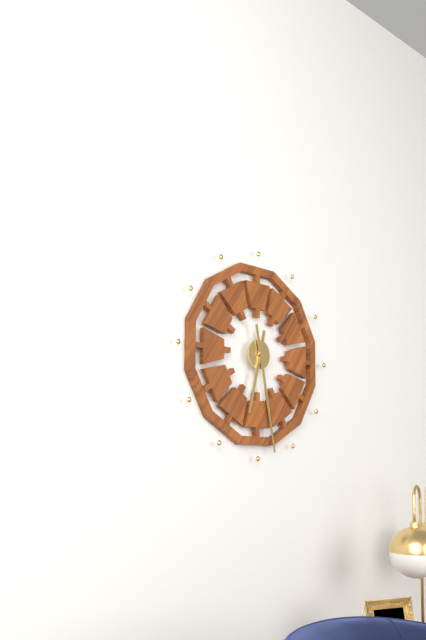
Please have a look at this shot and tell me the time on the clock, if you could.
6:28
